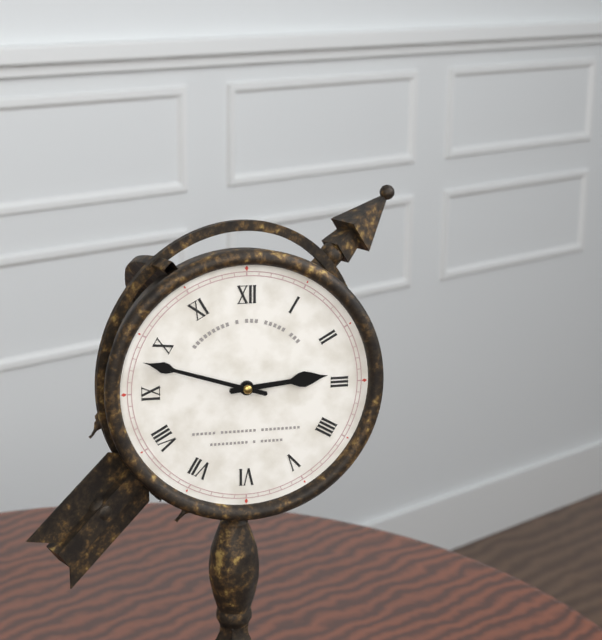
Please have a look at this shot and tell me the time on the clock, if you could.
2:48
